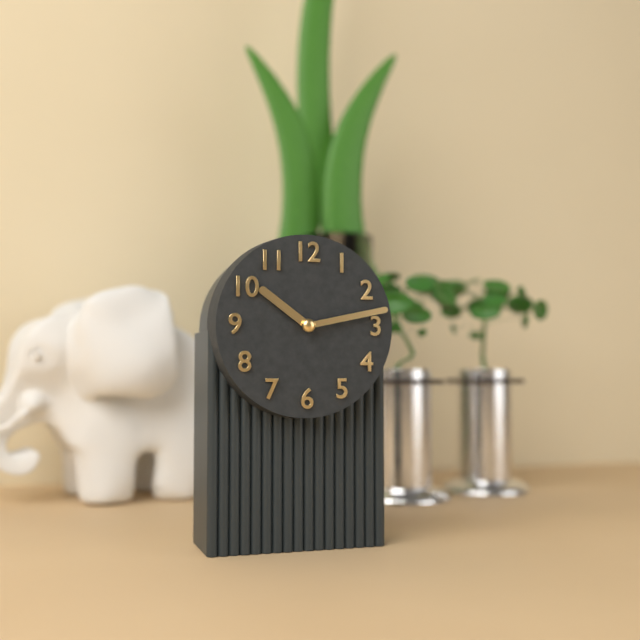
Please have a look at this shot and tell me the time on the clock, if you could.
10:13
